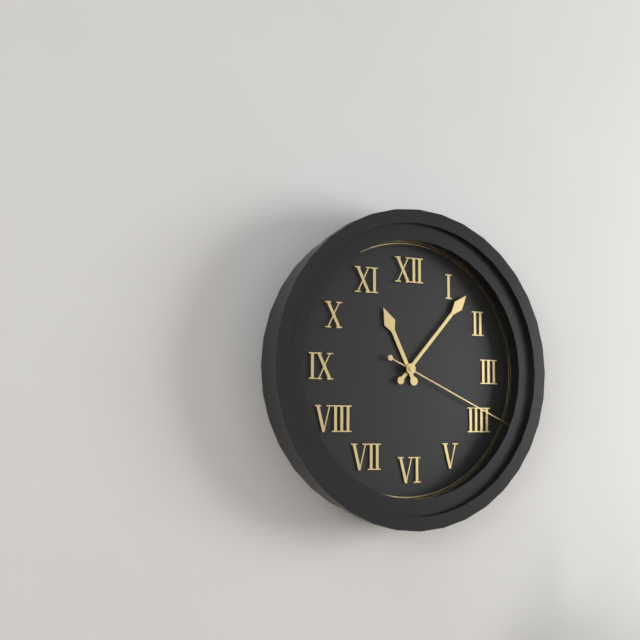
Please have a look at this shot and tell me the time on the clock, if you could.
11:07:19
